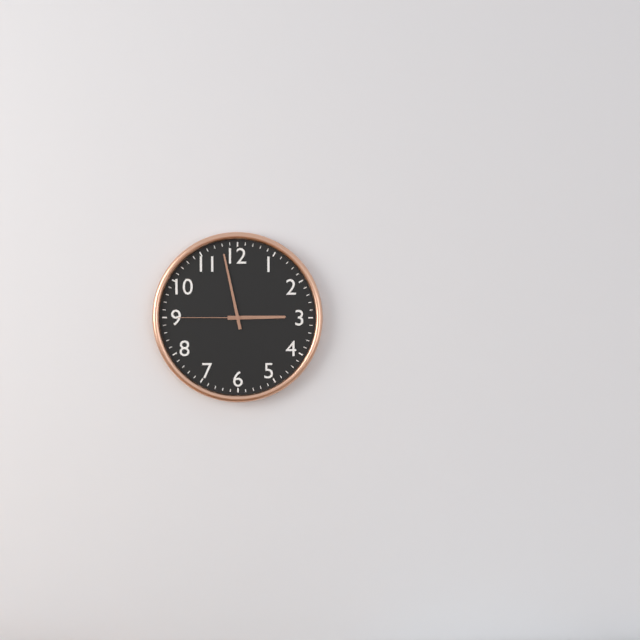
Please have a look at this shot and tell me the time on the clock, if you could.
2:58:45
